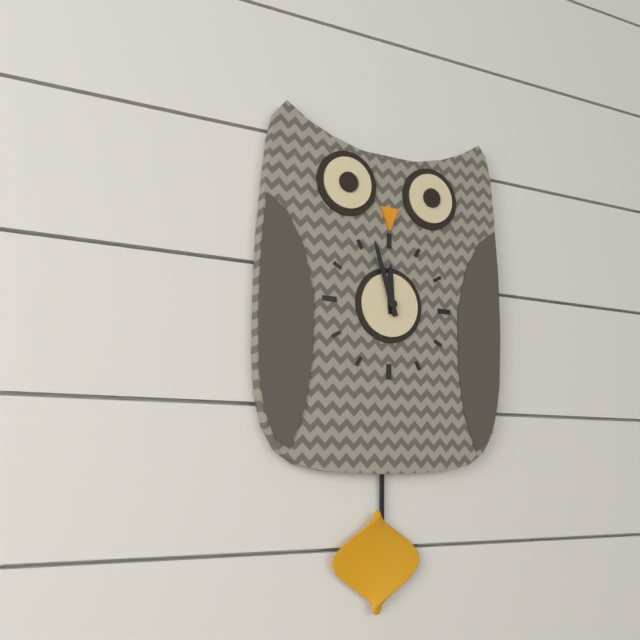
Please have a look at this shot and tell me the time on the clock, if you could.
11:57
